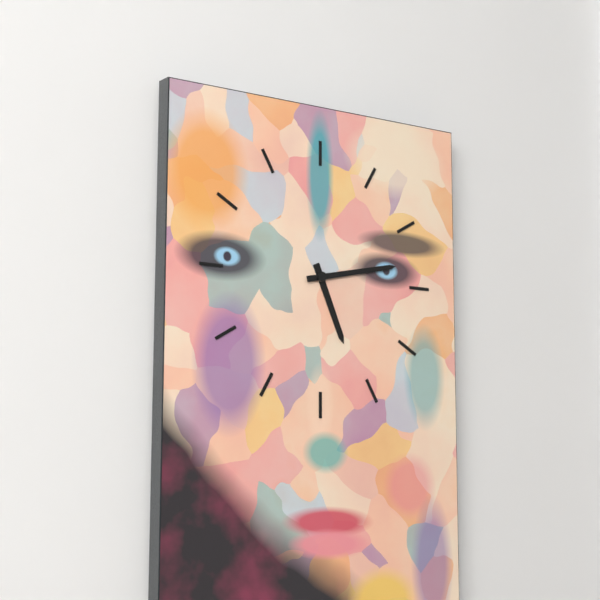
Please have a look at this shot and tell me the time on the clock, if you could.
5:13
